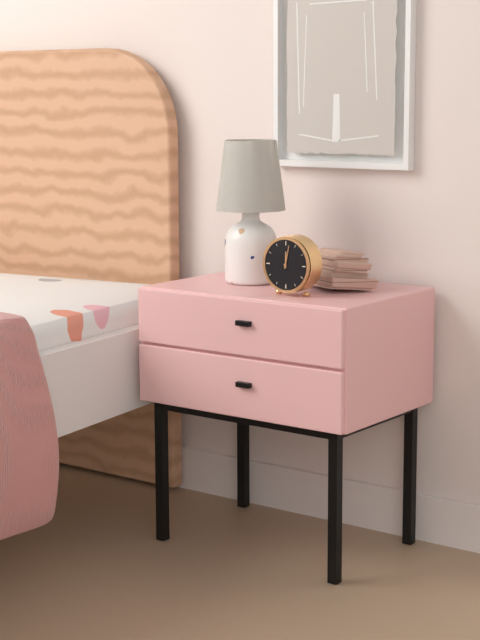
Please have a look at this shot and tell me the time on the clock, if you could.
12:02
